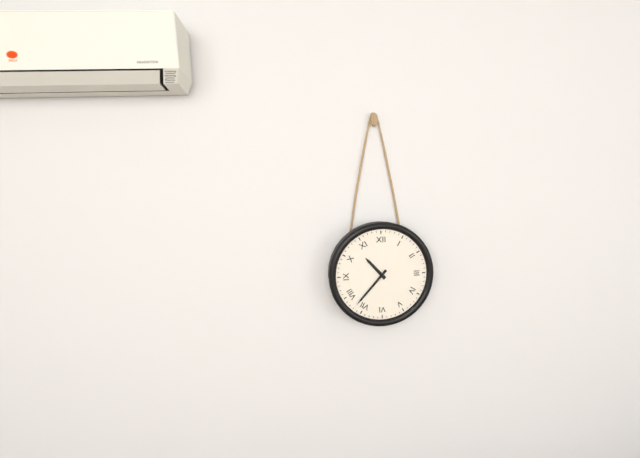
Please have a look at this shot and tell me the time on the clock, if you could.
10:37
